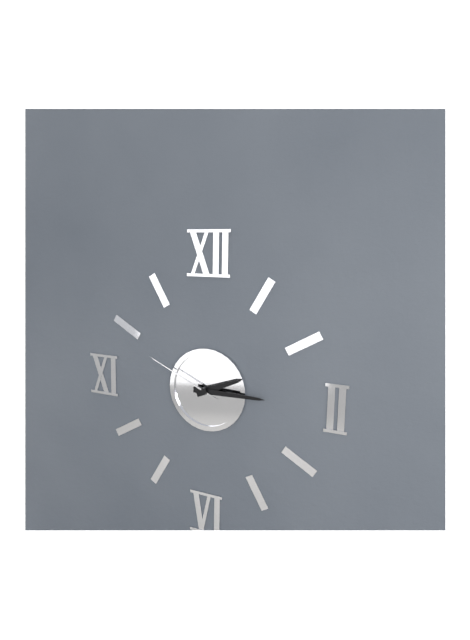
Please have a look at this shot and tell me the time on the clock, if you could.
2:15:49
